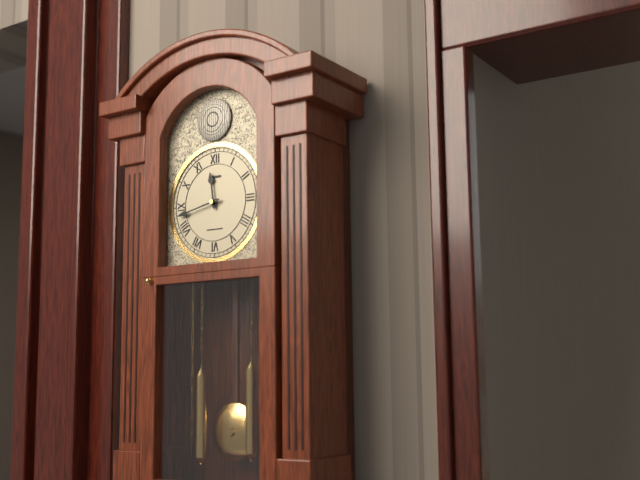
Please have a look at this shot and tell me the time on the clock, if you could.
11:43
